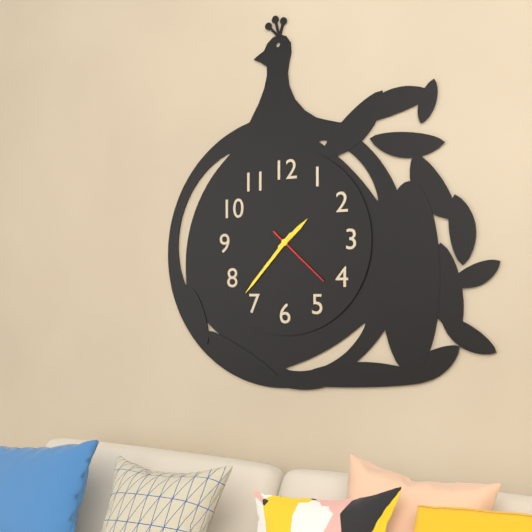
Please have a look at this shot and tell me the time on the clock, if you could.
1:37:22
